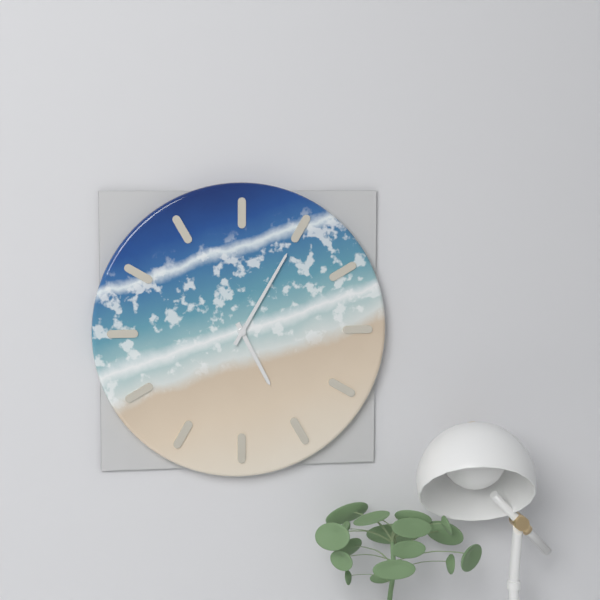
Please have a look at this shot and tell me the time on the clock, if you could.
5:05
